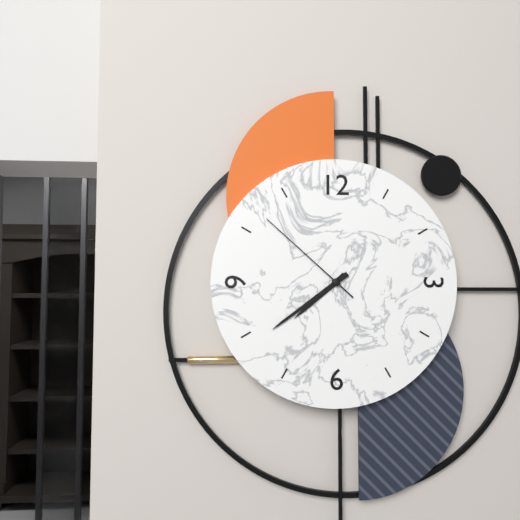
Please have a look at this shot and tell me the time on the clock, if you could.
7:39:52
